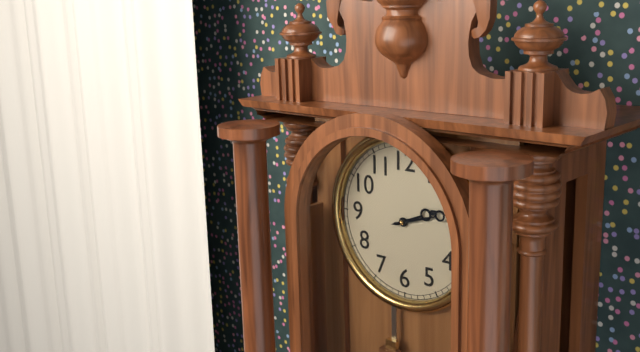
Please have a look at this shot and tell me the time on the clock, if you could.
2:12
